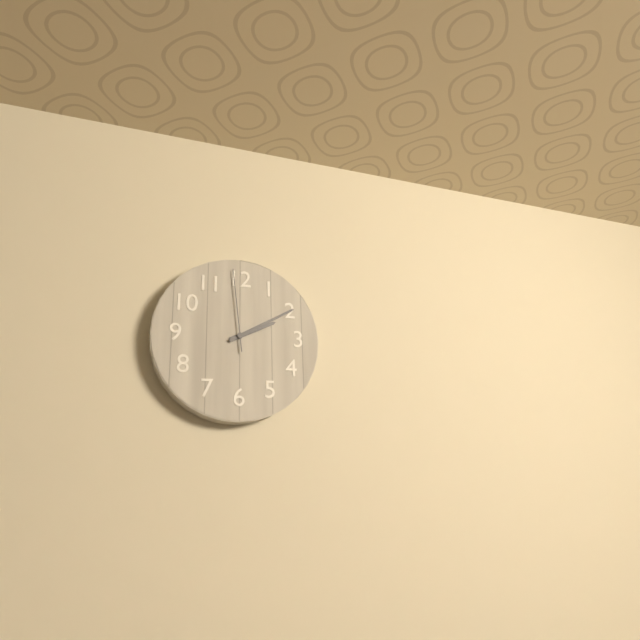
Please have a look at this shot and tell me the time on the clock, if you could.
2:10:59
